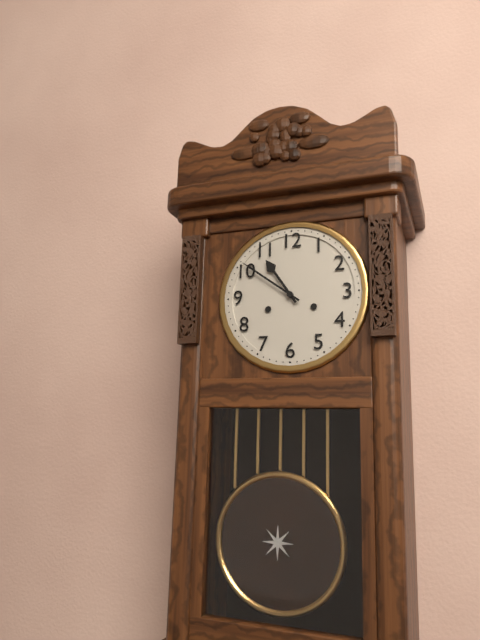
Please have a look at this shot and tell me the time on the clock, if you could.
10:51
